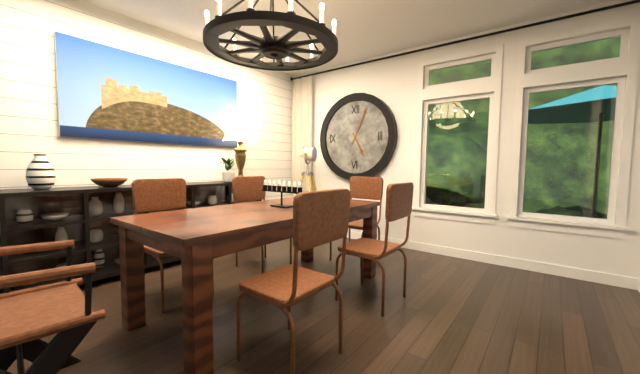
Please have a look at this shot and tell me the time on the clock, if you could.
5:04
